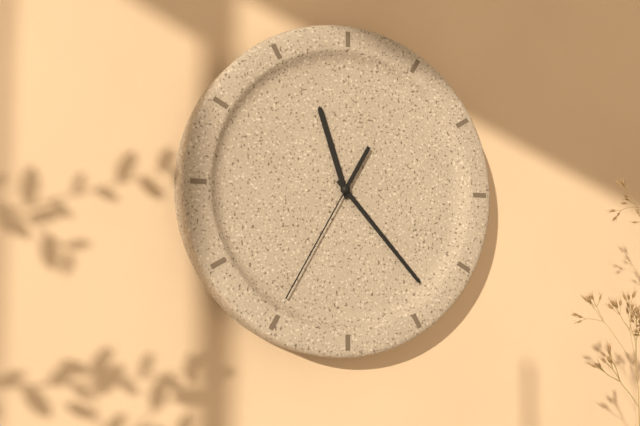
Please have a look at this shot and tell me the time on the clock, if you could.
11:23:35
